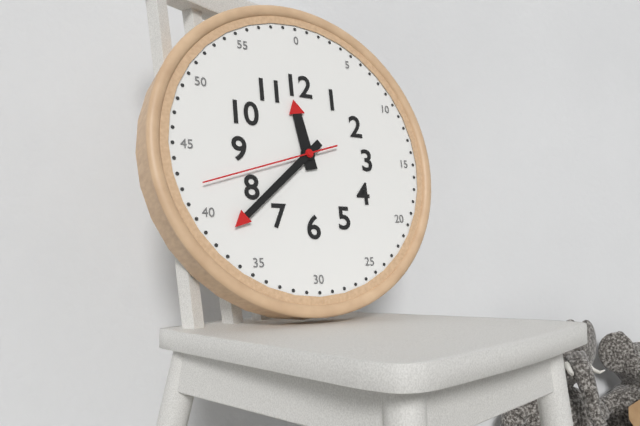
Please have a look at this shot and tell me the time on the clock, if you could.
11:38:42
